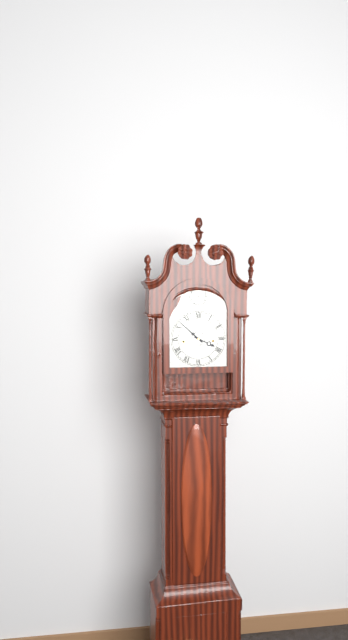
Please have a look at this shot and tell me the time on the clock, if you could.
3:52
